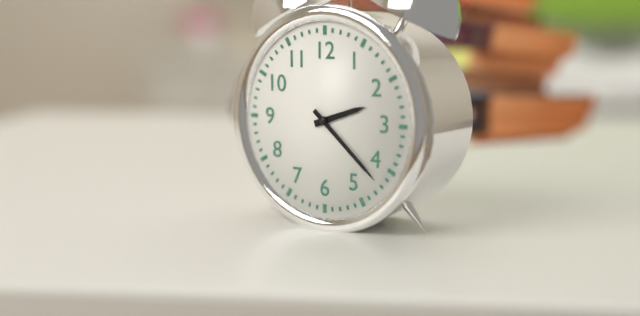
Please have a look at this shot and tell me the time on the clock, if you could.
2:22
